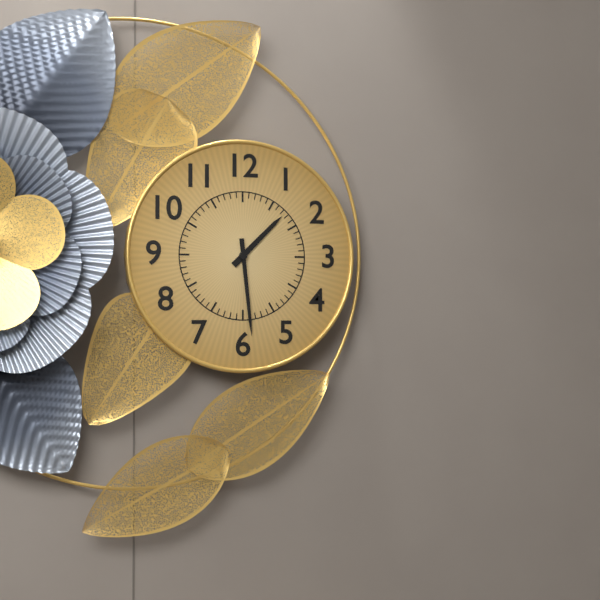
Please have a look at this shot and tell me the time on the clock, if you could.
1:29
